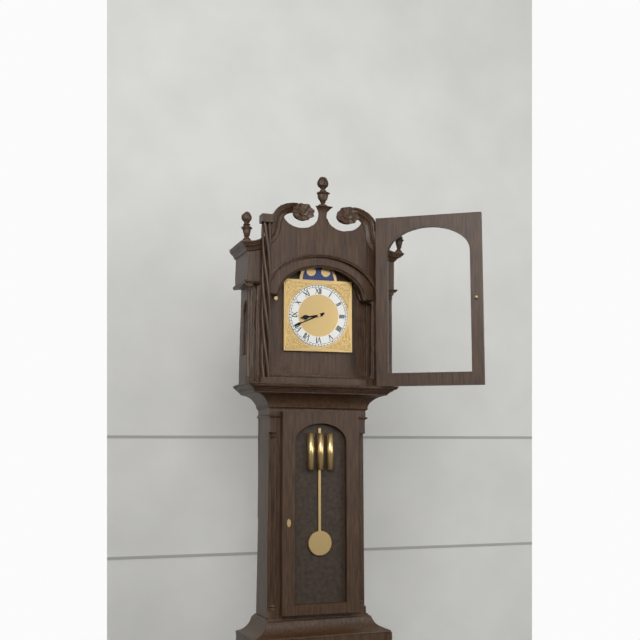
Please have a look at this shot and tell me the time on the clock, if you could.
8:41
